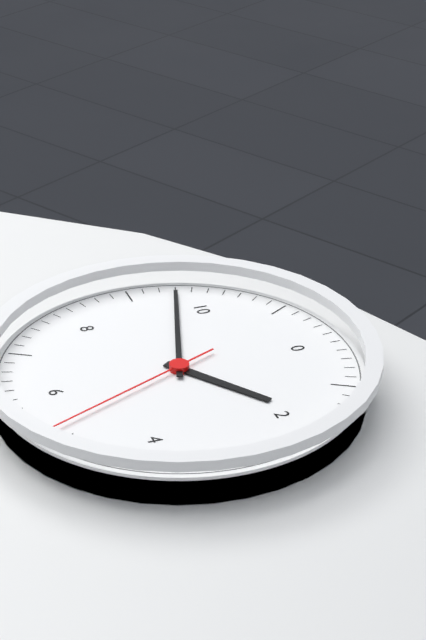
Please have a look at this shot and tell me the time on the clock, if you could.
1:48:26
